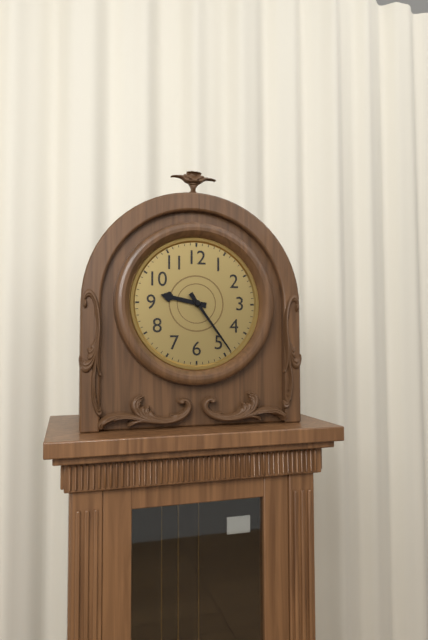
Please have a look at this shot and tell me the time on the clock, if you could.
9:24
